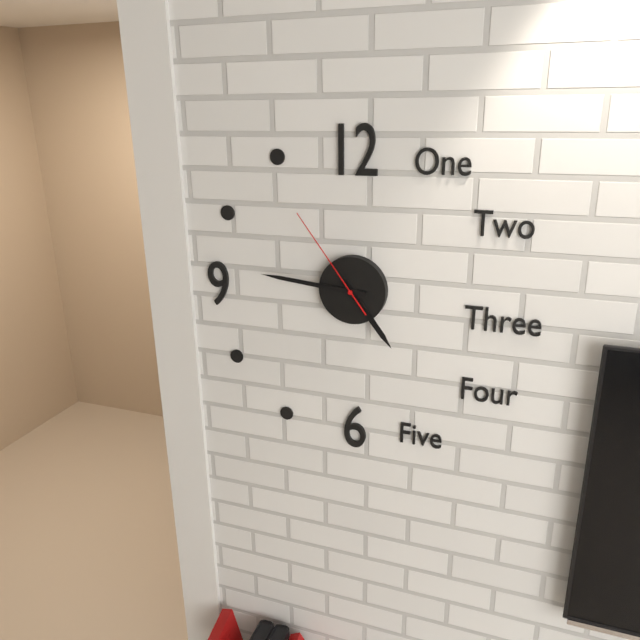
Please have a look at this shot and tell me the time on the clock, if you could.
4:46:54
